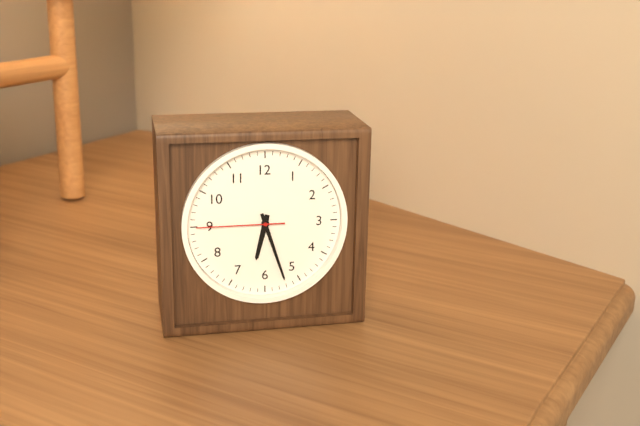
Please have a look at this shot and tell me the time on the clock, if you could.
6:27:45
